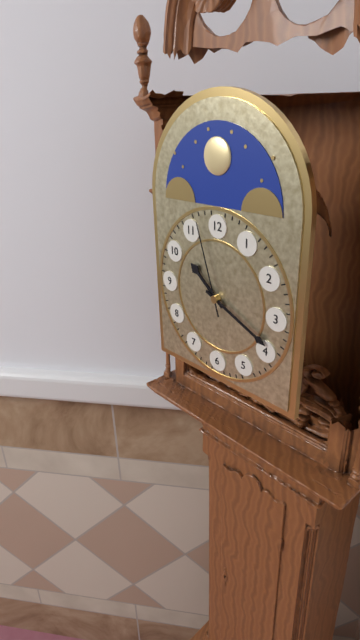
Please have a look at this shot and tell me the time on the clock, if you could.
10:19:57
